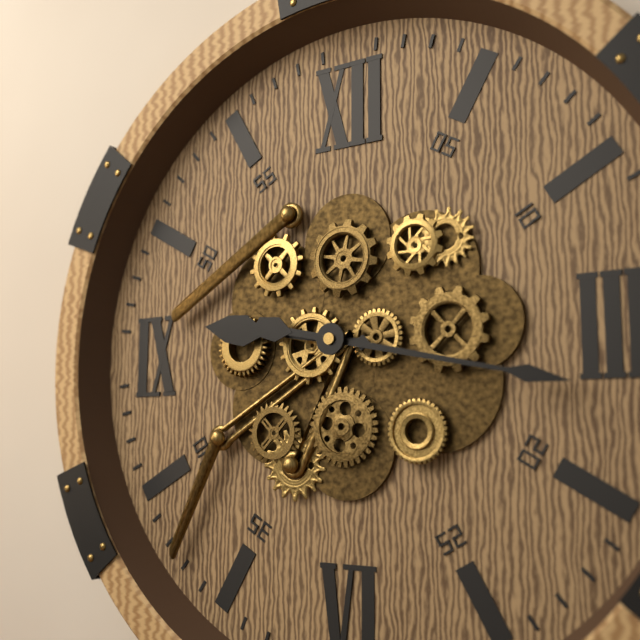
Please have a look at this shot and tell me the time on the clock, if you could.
9:17
